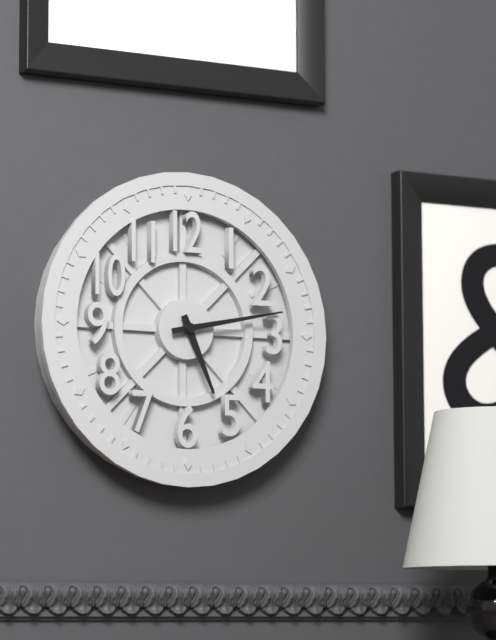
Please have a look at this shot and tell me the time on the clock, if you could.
5:13
